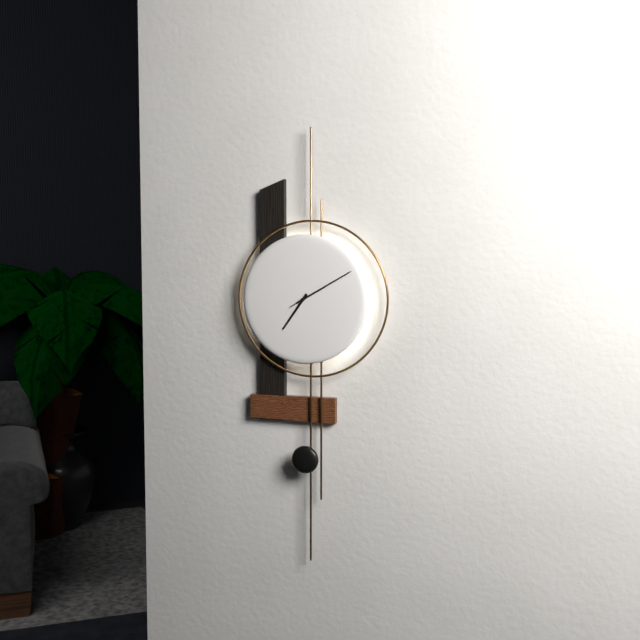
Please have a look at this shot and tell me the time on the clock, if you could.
7:10:10
